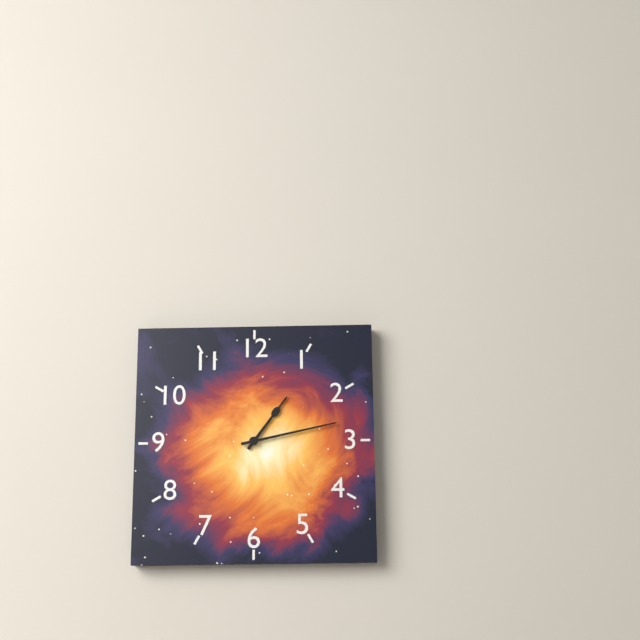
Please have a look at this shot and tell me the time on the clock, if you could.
1:13
